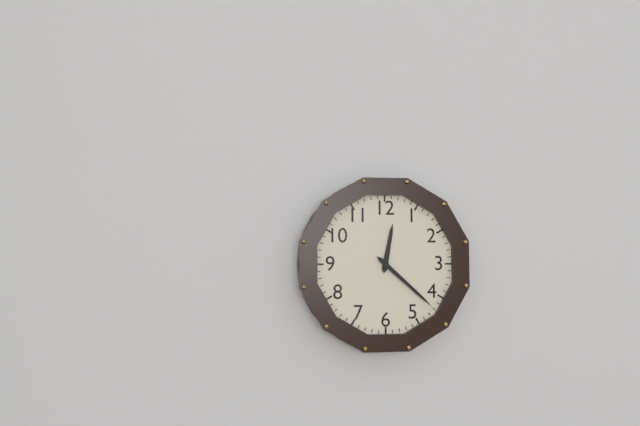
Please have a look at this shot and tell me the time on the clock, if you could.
12:22
